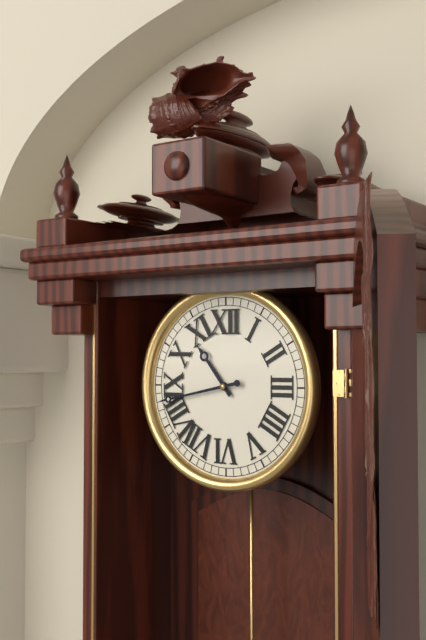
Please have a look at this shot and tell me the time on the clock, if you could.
10:43
